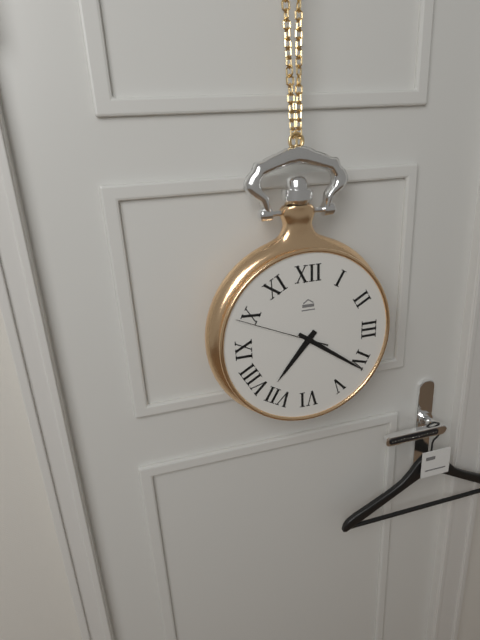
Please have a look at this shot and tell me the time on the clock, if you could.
7:21:49
